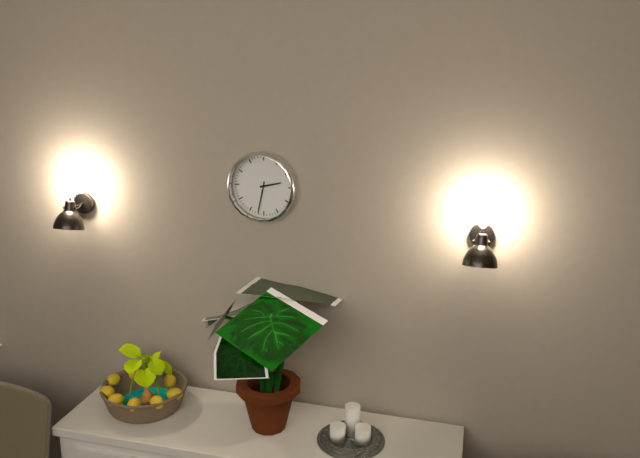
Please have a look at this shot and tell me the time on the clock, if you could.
2:32
